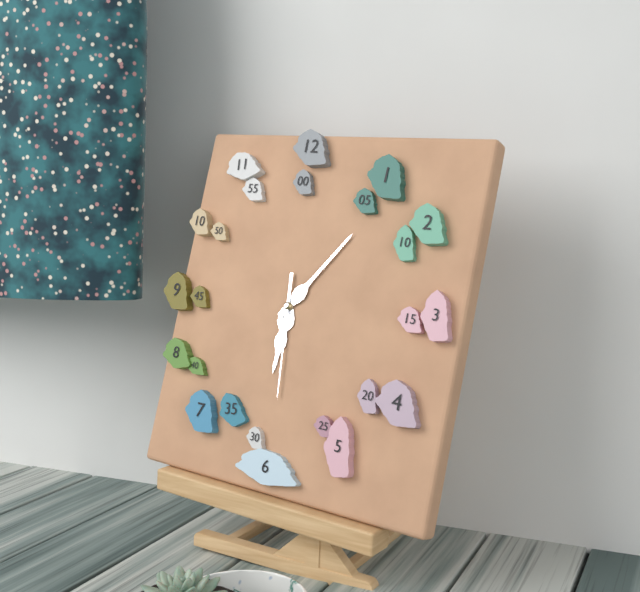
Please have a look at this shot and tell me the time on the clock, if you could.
6:06:29
